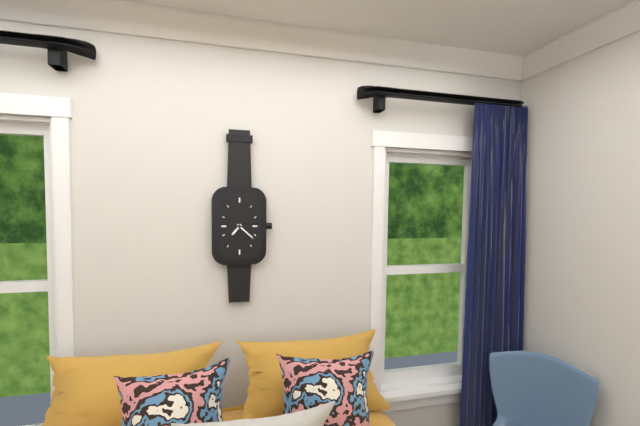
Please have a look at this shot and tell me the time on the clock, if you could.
7:22
